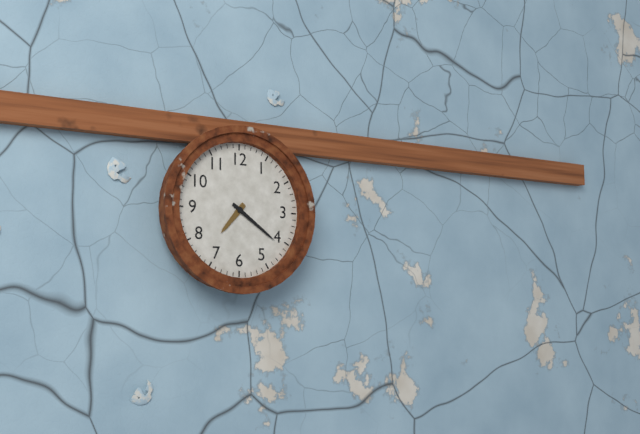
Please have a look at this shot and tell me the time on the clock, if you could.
7:21
